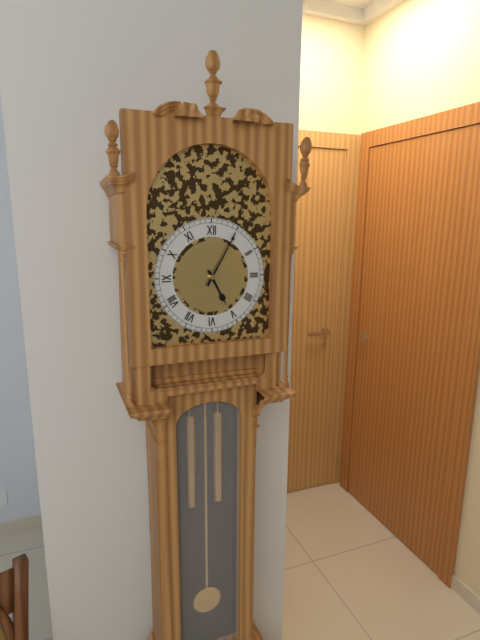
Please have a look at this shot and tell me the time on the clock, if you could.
5:05
